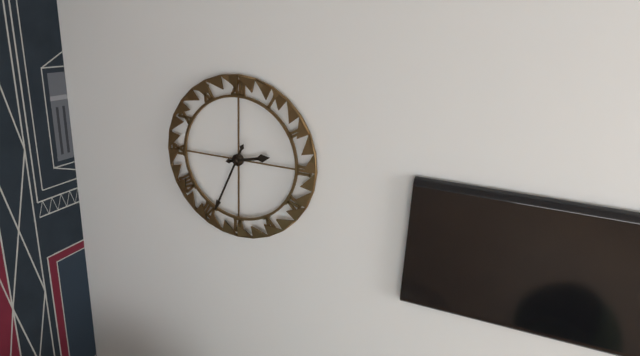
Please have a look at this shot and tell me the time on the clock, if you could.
2:34
